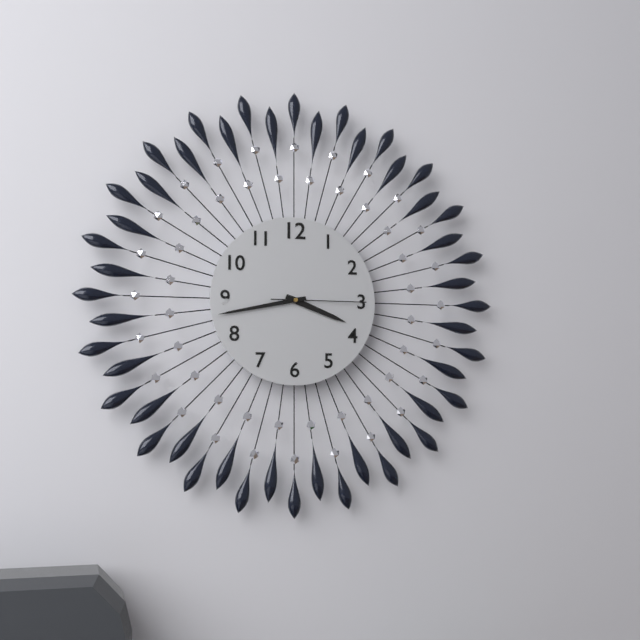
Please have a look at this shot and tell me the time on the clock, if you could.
3:43:15
